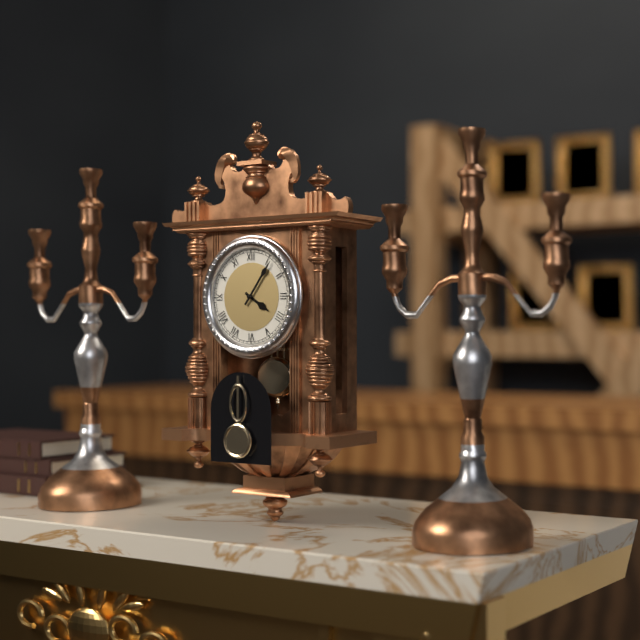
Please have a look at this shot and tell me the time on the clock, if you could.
4:06
